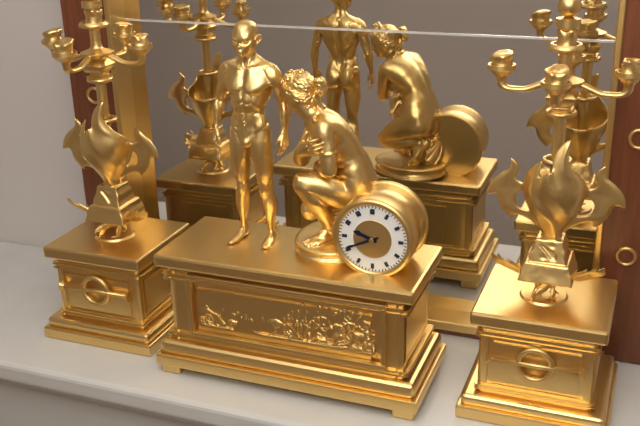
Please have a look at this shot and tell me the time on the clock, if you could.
9:41
